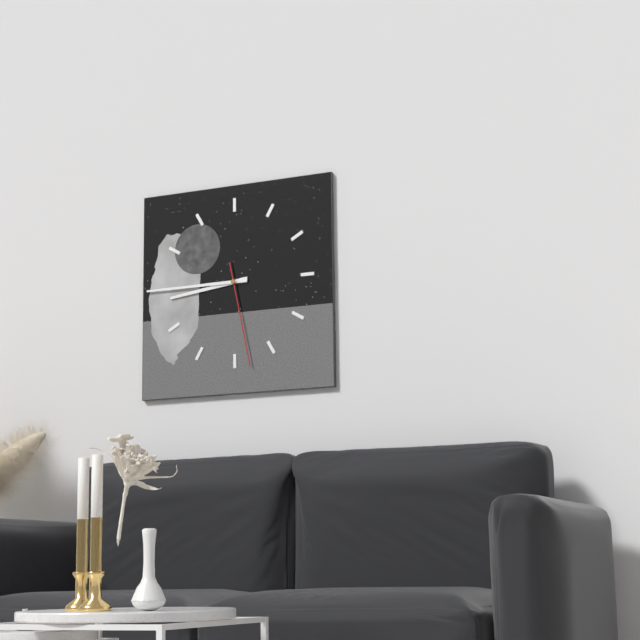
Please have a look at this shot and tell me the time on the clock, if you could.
8:45:28
